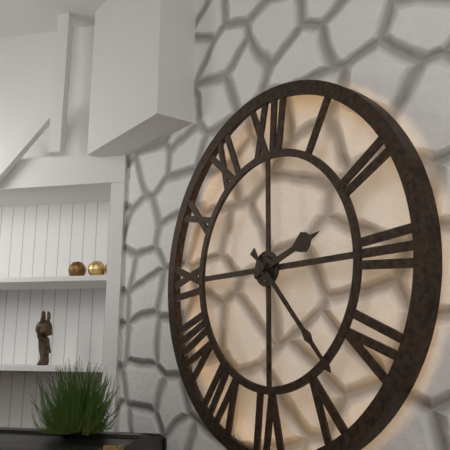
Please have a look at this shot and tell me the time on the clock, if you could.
2:23
